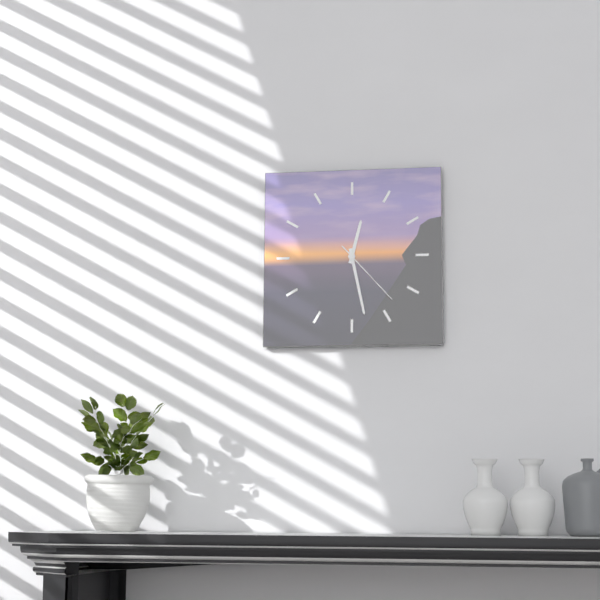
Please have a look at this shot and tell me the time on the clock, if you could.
12:28:23
